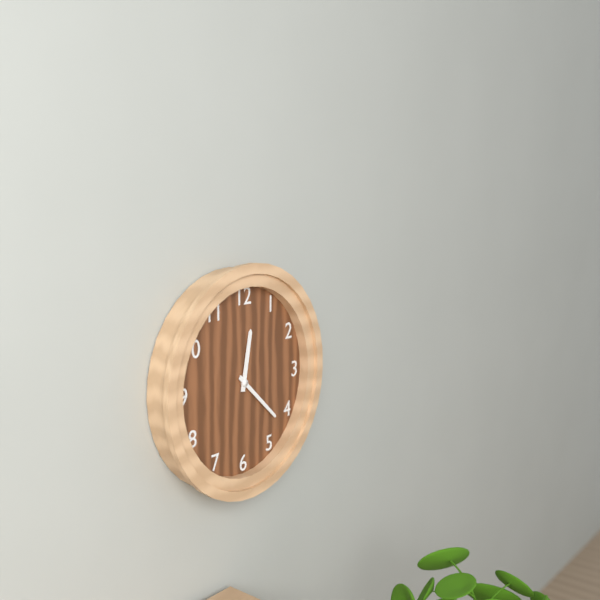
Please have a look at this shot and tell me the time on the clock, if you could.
12:22
